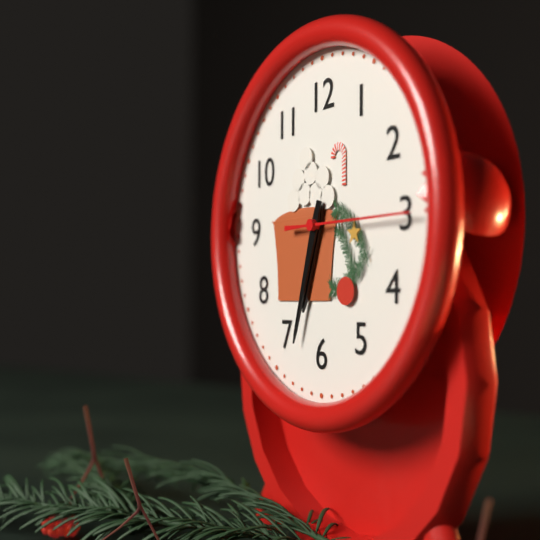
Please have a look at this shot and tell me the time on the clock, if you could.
6:33:15
